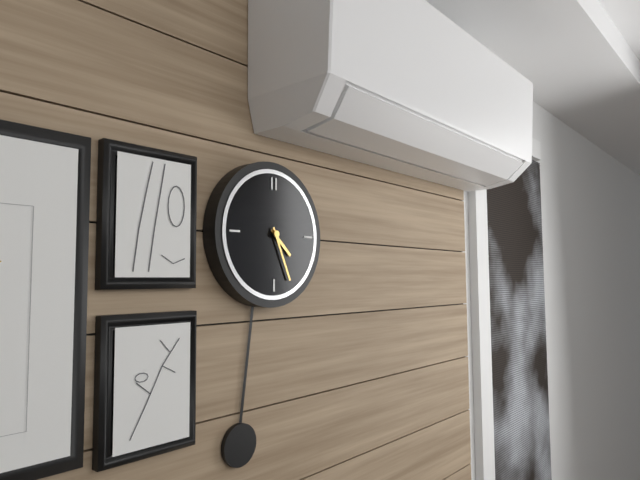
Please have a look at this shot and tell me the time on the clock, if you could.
4:26
